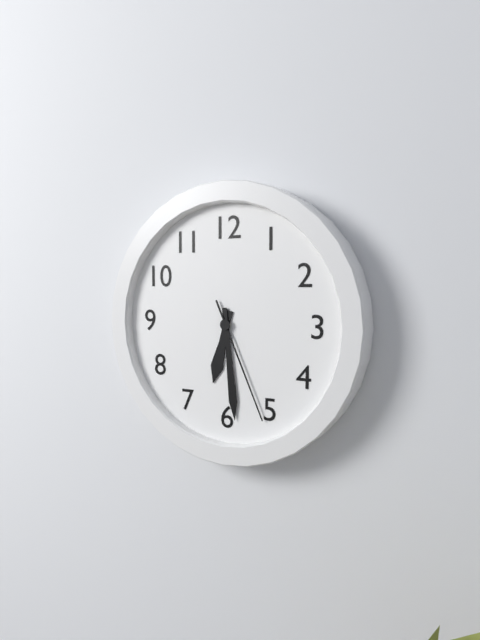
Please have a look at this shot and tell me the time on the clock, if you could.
6:29:26
